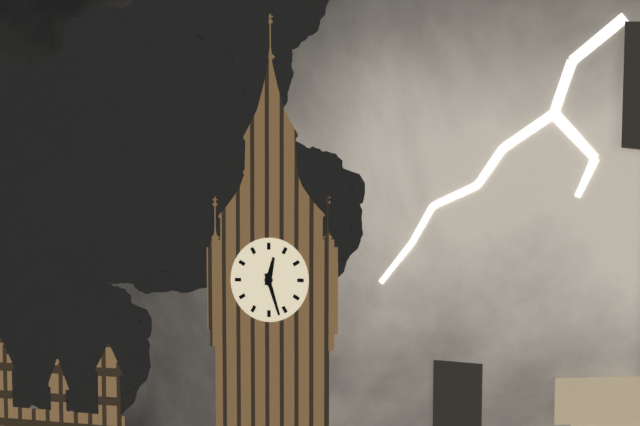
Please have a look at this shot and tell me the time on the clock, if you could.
12:27
